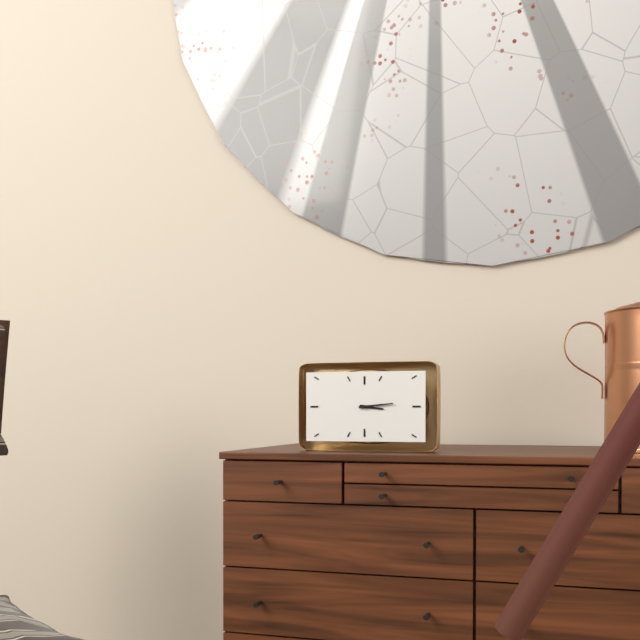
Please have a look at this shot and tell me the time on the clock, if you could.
3:14
